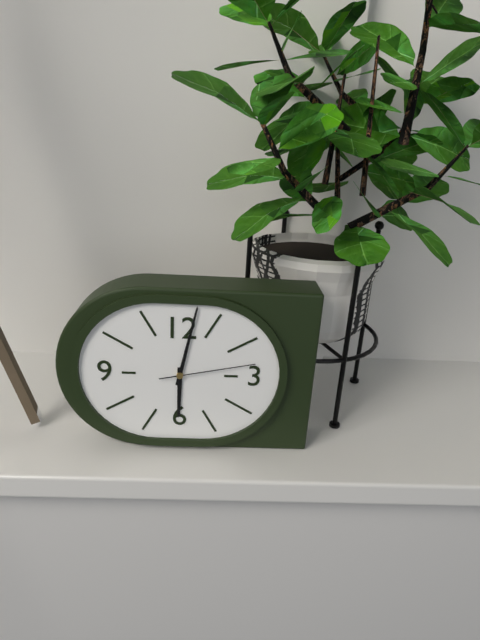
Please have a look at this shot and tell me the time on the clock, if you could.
6:02:13
